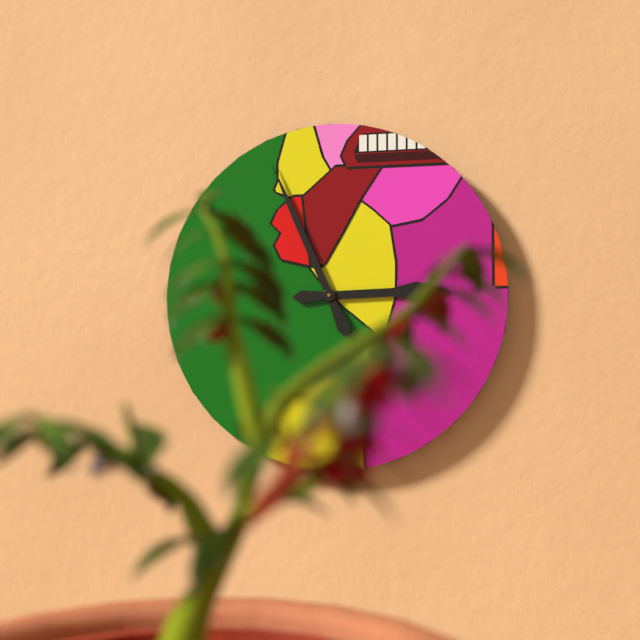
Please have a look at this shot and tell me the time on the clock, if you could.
2:56
